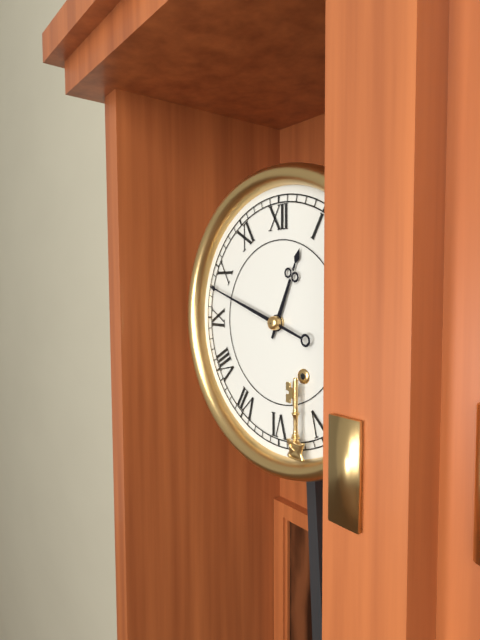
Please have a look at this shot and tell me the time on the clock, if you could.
12:48
